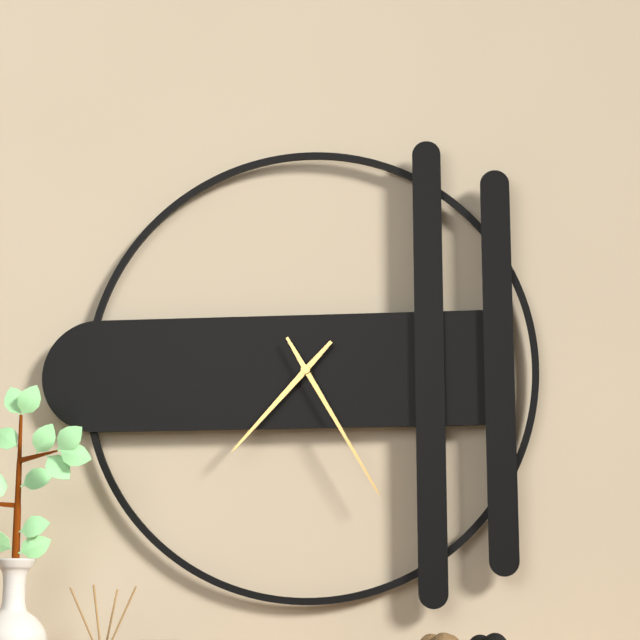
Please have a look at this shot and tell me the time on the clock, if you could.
7:25
